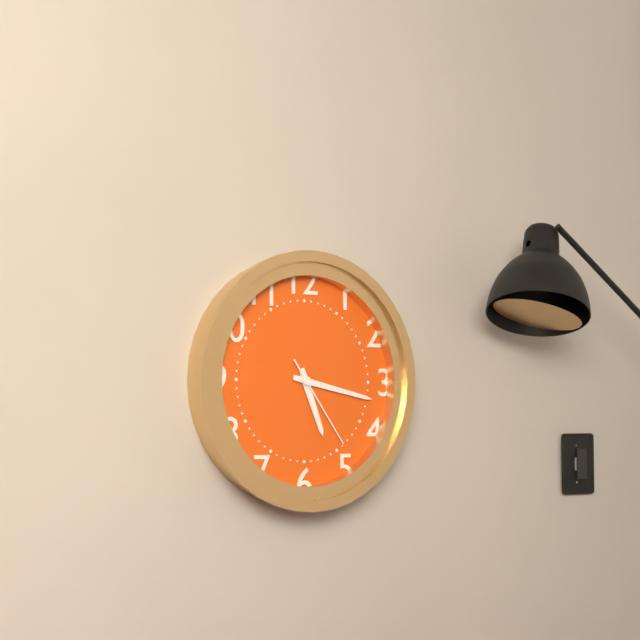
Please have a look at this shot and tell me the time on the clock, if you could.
5:17:24
